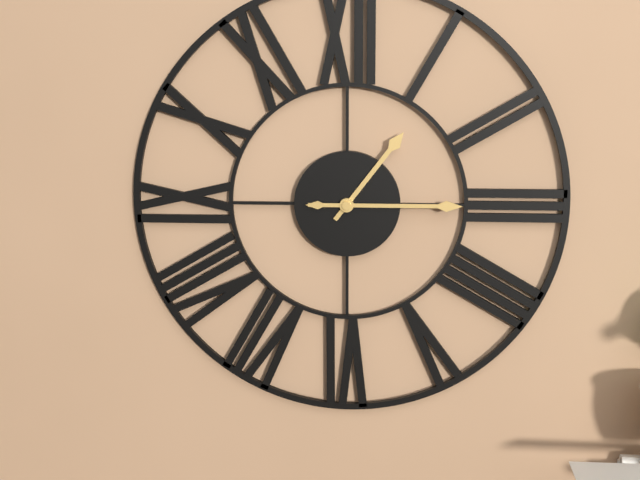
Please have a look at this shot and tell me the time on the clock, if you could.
1:15
